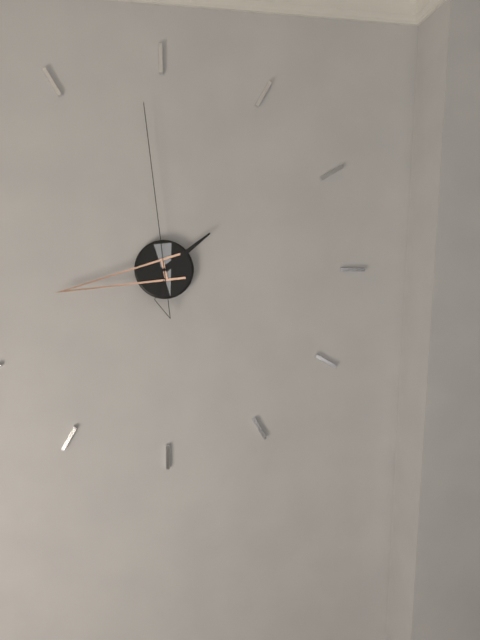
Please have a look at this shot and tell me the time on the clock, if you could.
1:43:59
